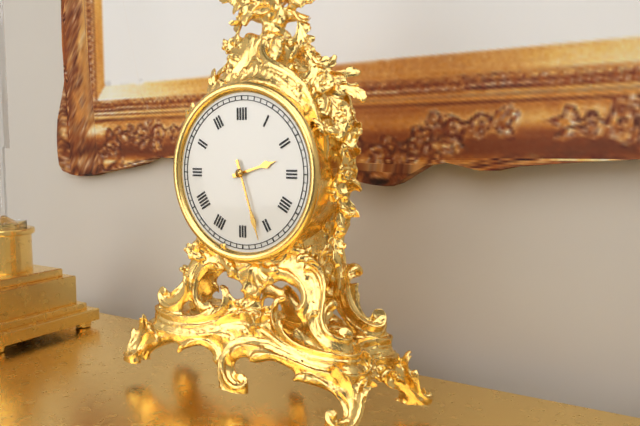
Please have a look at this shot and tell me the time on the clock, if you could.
2:27
